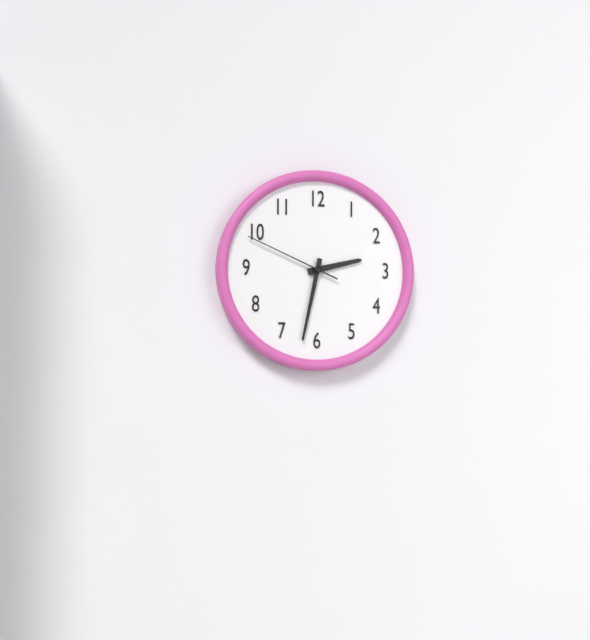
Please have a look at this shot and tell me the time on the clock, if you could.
2:32:49
